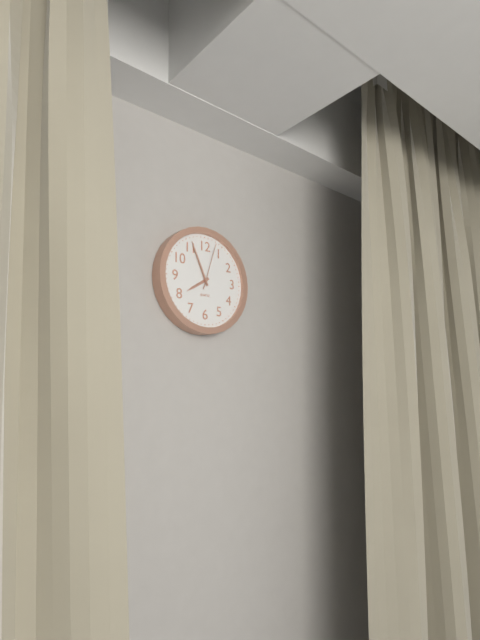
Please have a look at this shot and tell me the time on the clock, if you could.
7:56
